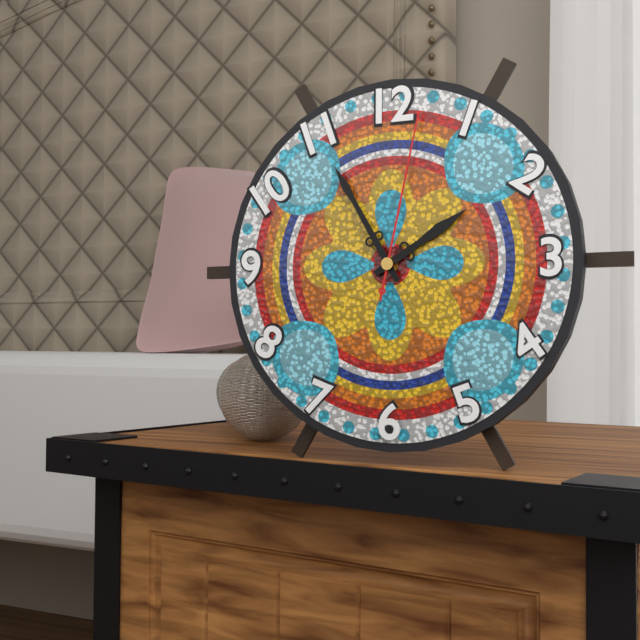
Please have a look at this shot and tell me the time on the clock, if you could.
1:55:02
